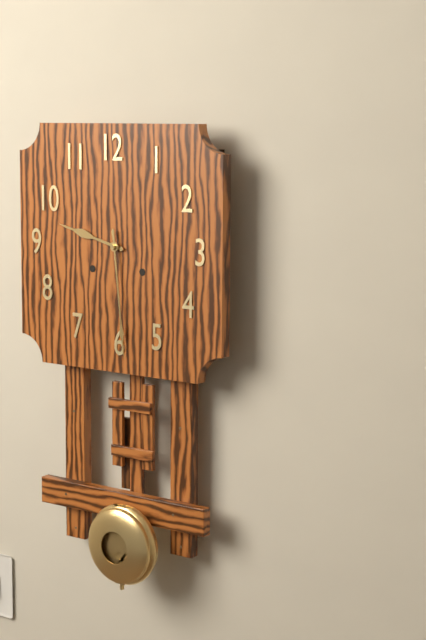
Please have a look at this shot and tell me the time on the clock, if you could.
9:29
